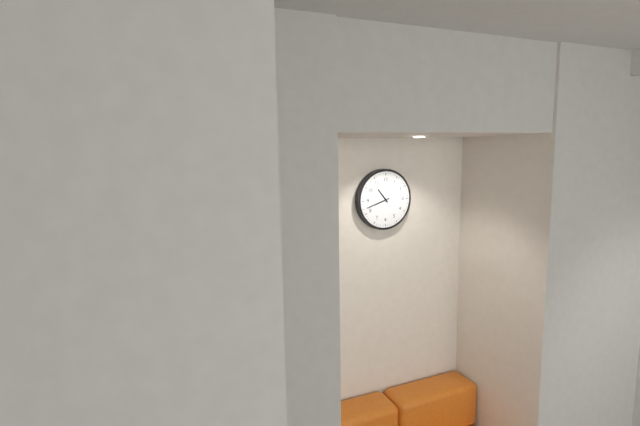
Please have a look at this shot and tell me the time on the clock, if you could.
10:42
